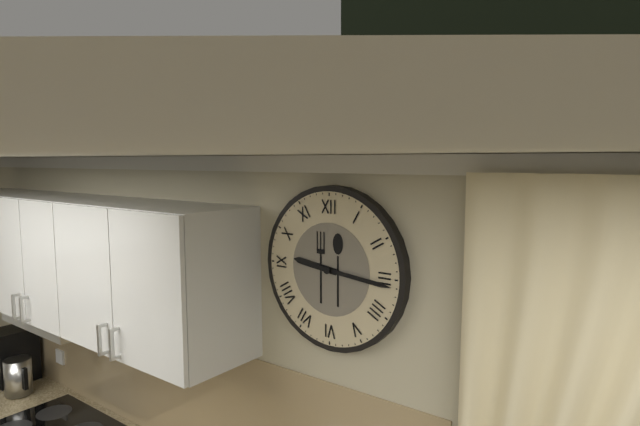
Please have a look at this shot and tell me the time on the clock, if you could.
9:16
